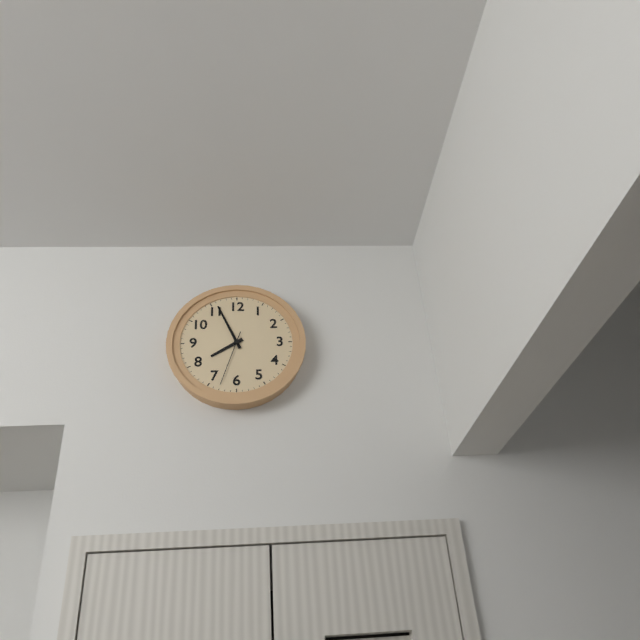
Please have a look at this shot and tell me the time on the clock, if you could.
7:56:33
